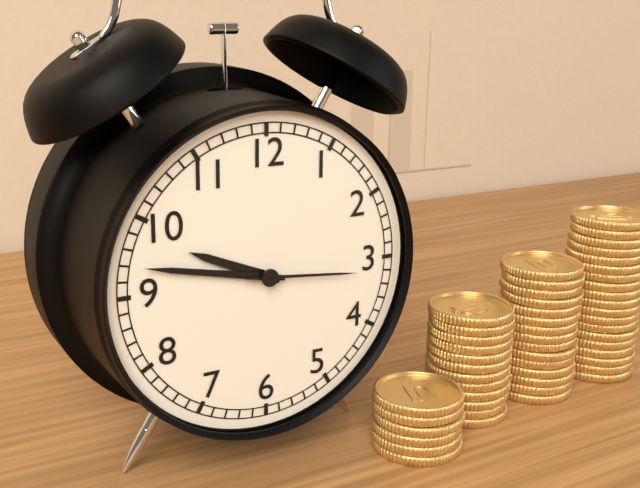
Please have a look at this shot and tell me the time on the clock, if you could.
9:47:16
